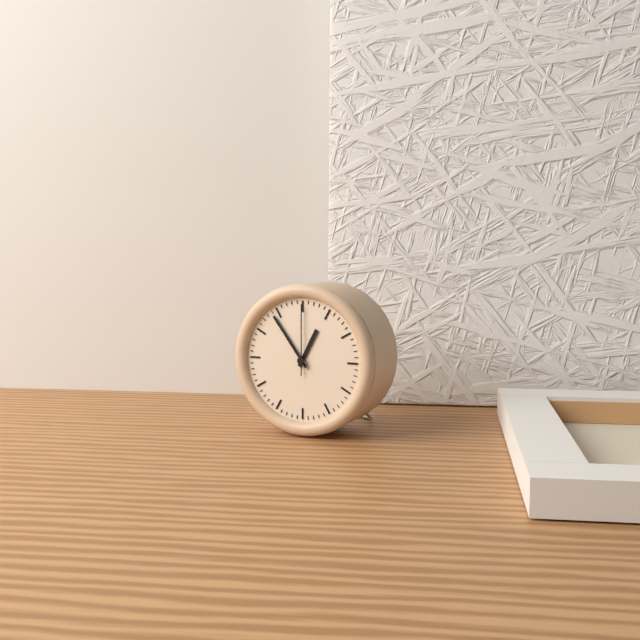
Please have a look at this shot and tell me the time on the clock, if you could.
12:54:00
